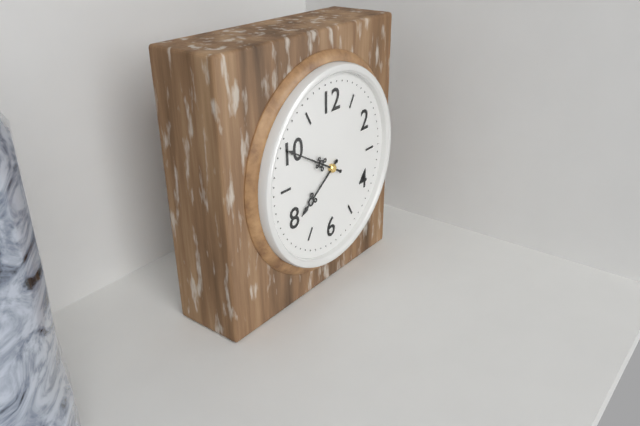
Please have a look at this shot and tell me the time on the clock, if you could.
7:50
